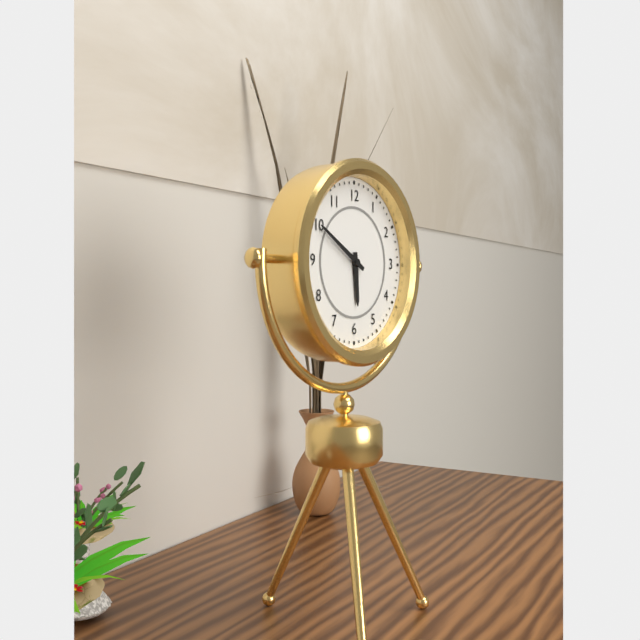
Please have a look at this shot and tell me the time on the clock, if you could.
5:50
